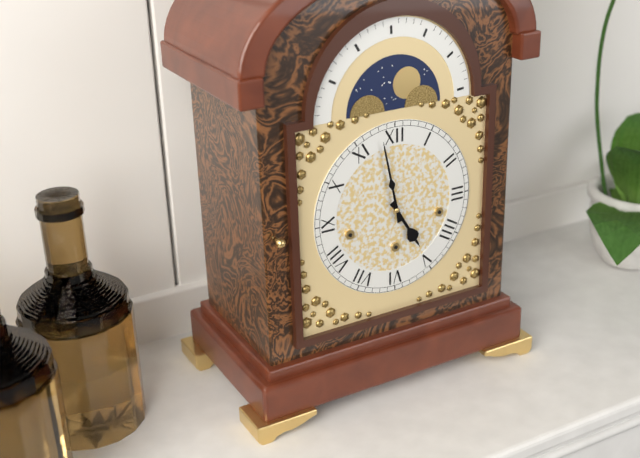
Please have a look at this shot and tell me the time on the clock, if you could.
4:58
